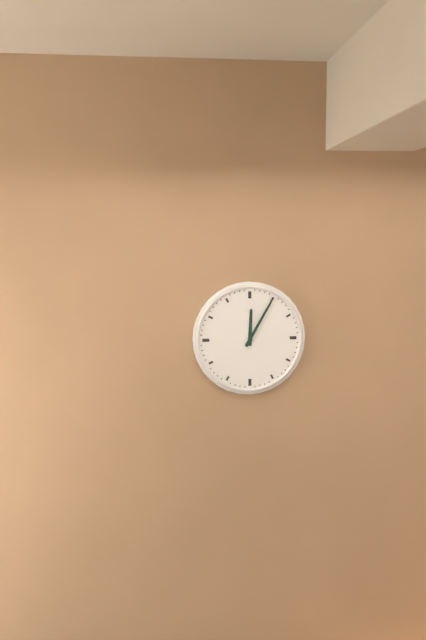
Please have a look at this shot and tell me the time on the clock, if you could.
12:05
